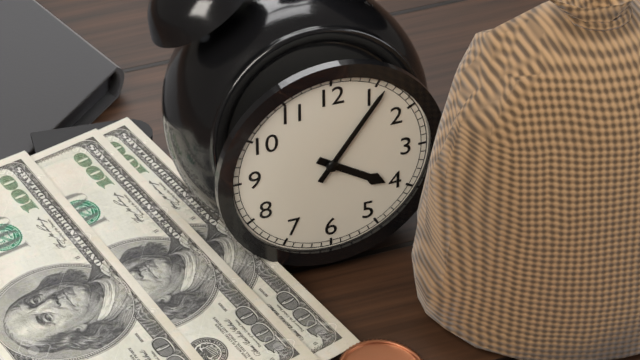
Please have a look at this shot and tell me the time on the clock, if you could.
4:06
